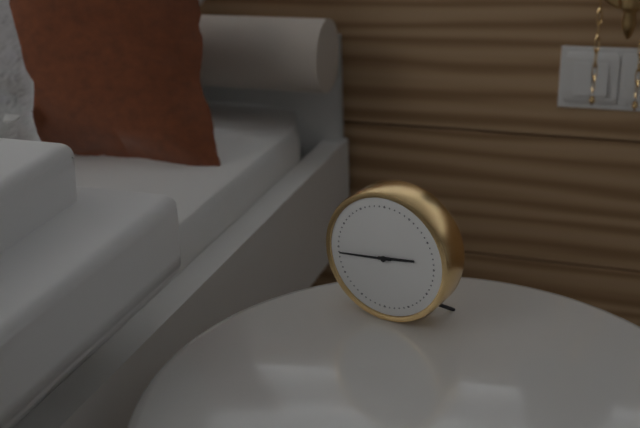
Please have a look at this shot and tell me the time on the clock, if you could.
2:44
